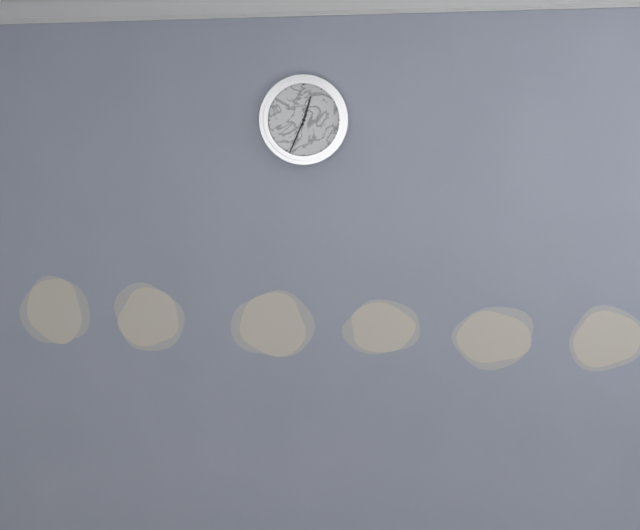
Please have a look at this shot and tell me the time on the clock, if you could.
12:34
